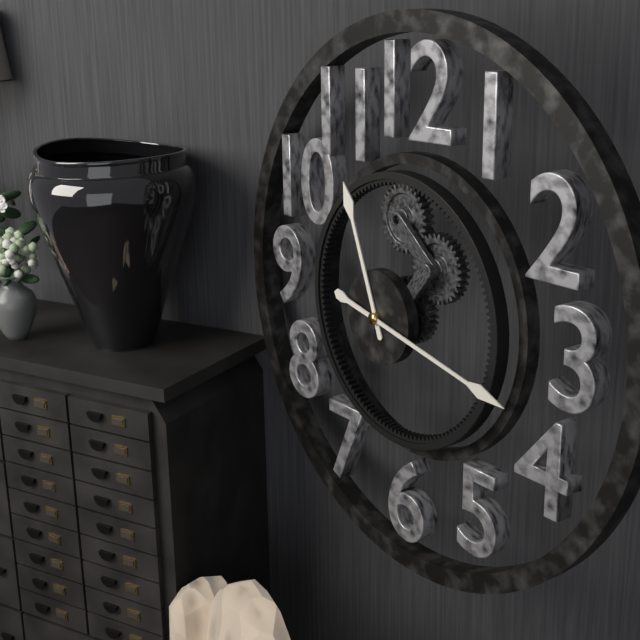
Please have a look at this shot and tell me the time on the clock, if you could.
11:17
